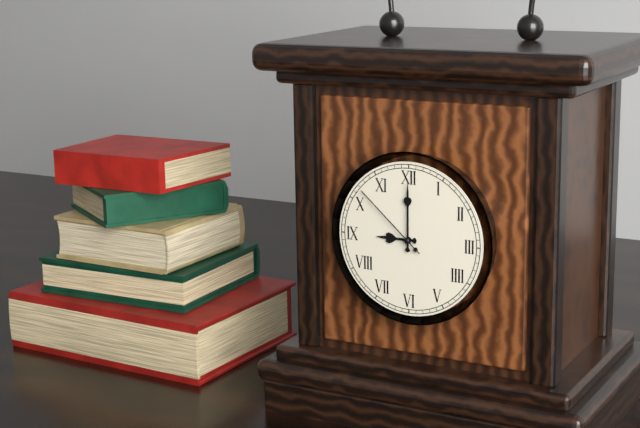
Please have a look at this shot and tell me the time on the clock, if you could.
9:00:52
